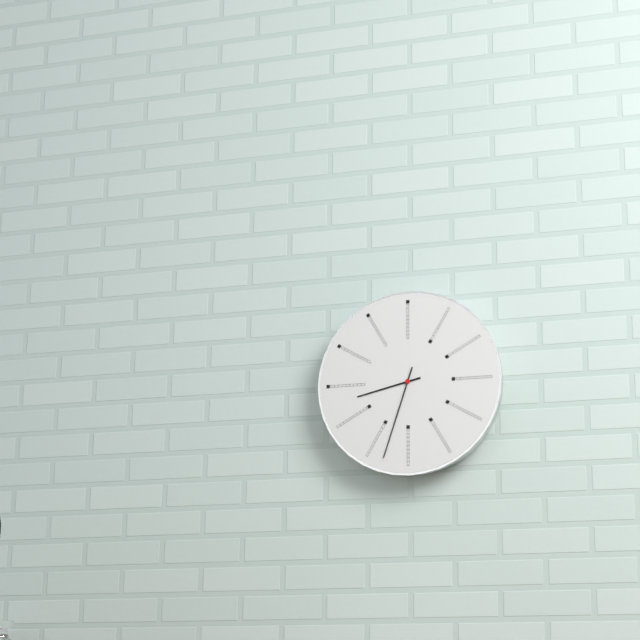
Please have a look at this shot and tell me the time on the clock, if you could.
8:33
